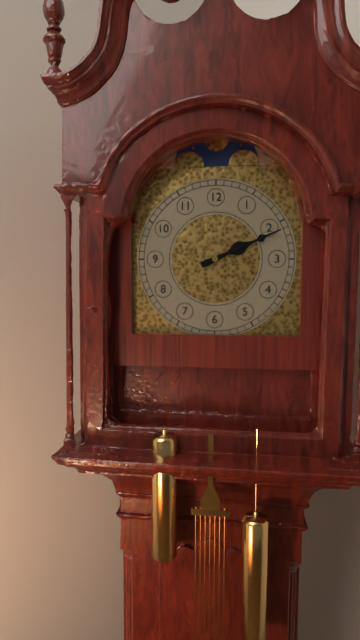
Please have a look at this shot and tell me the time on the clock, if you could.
2:11
